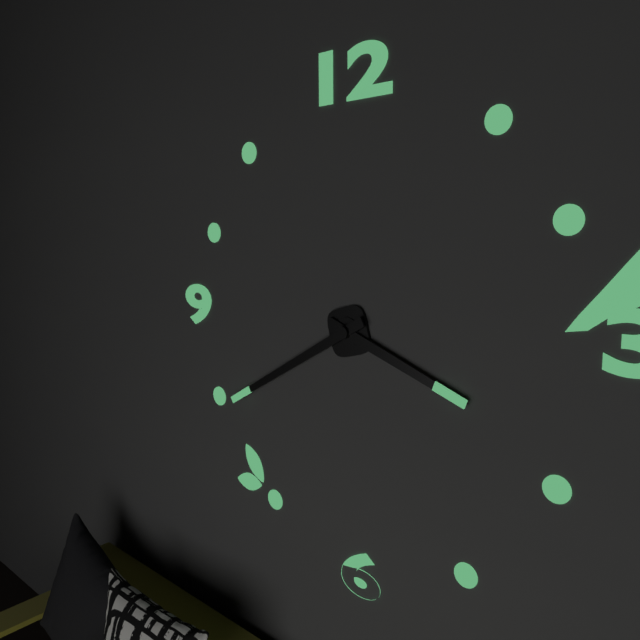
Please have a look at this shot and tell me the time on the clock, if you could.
3:40
